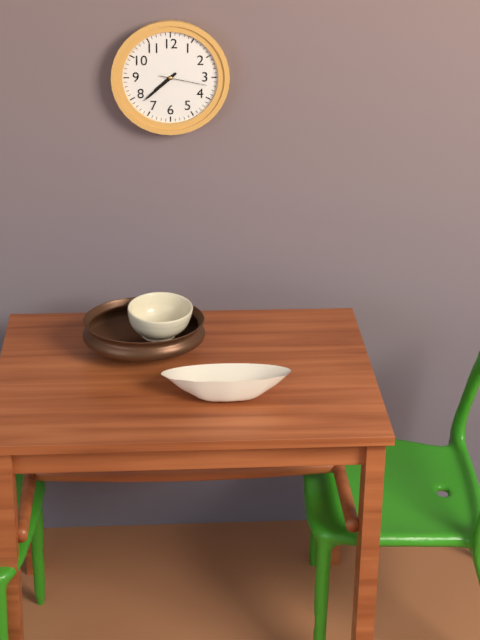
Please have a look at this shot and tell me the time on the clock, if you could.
7:38
